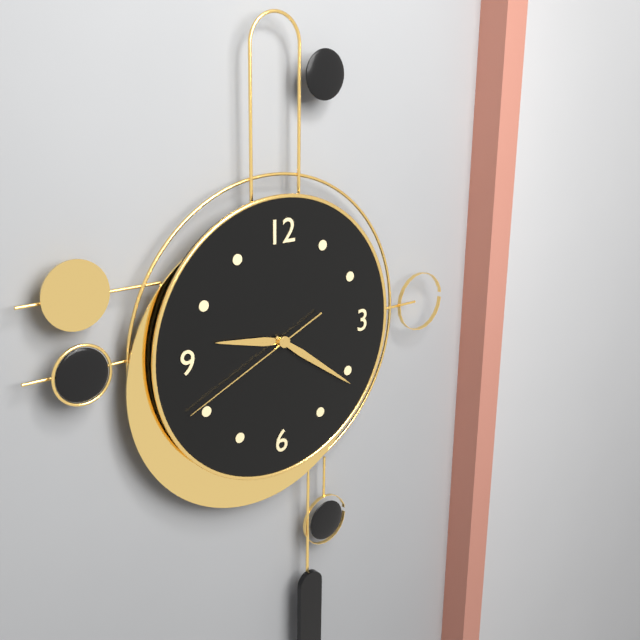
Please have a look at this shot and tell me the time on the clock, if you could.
9:21:41
